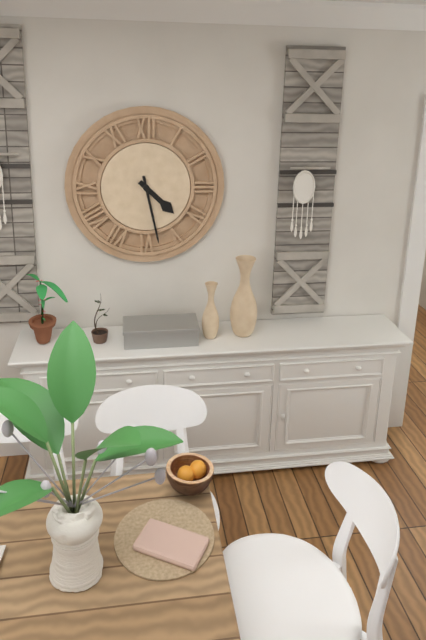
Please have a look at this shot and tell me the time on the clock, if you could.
4:28
